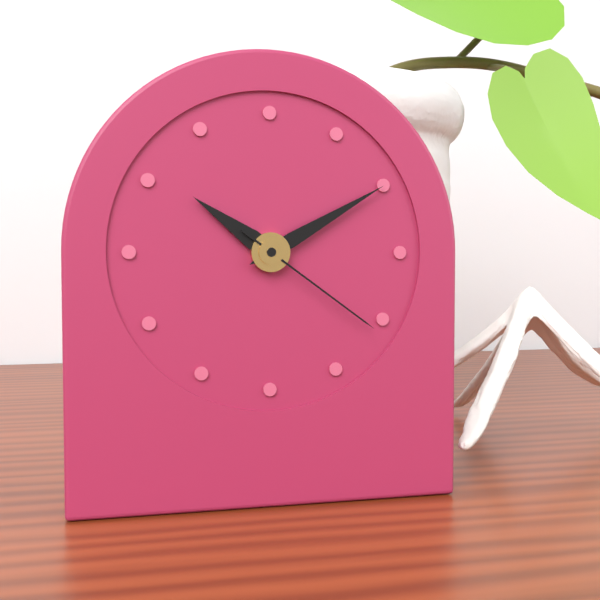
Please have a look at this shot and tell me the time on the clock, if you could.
10:10:21
